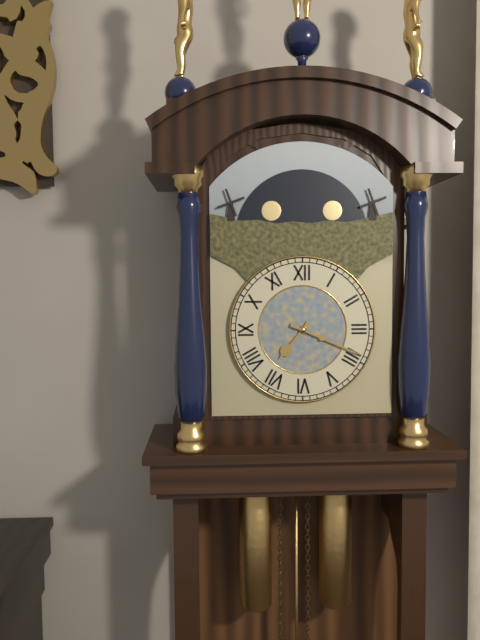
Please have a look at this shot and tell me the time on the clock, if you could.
7:19
